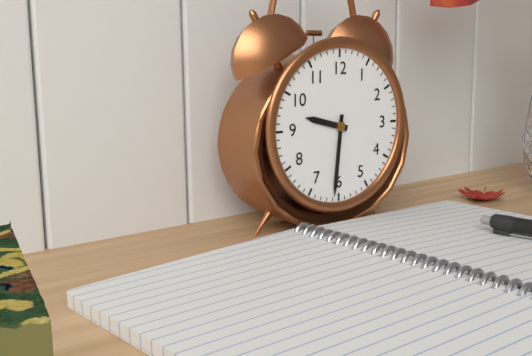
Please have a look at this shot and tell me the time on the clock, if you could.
9:31
